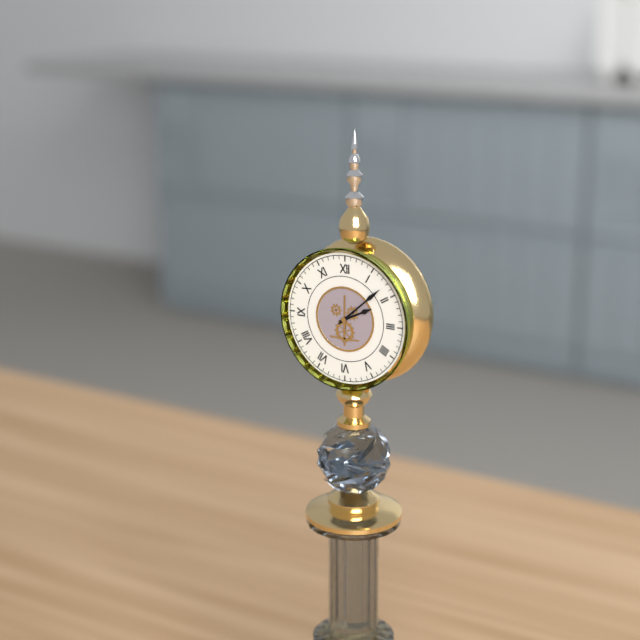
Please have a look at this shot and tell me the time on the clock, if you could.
2:08
